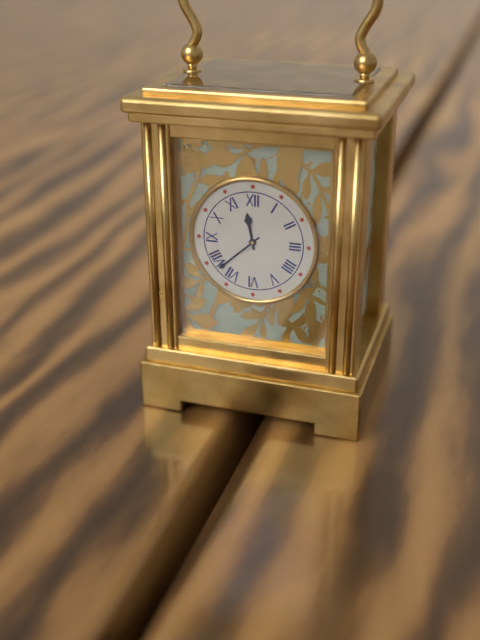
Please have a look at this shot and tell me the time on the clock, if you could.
11:38
